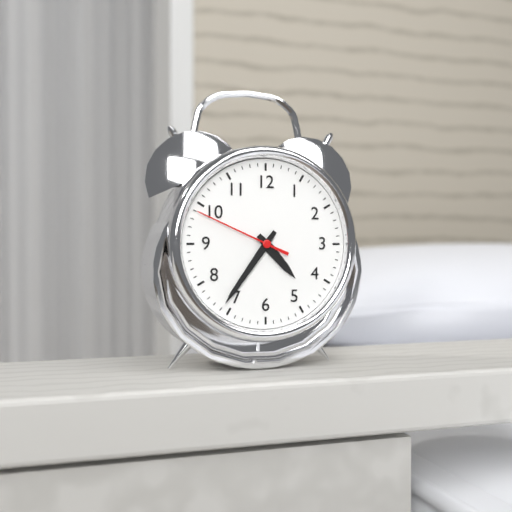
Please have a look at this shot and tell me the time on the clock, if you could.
4:36:49
